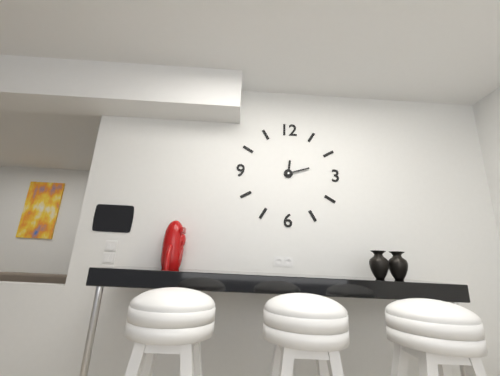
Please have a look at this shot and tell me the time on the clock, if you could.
12:12
